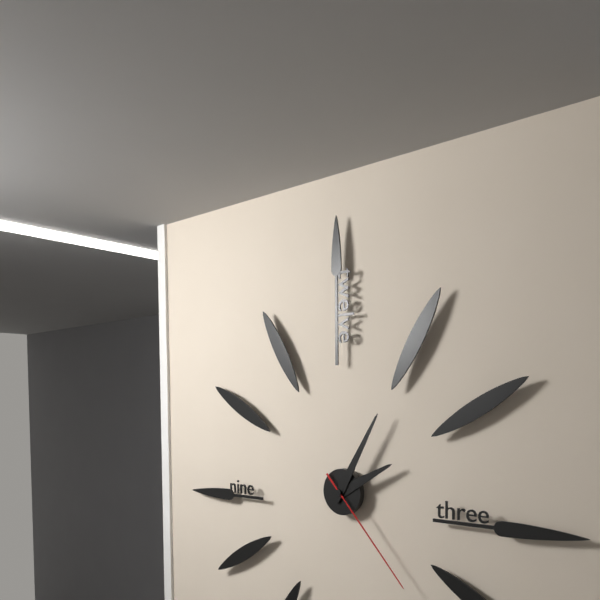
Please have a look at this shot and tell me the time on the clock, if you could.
2:05:23
